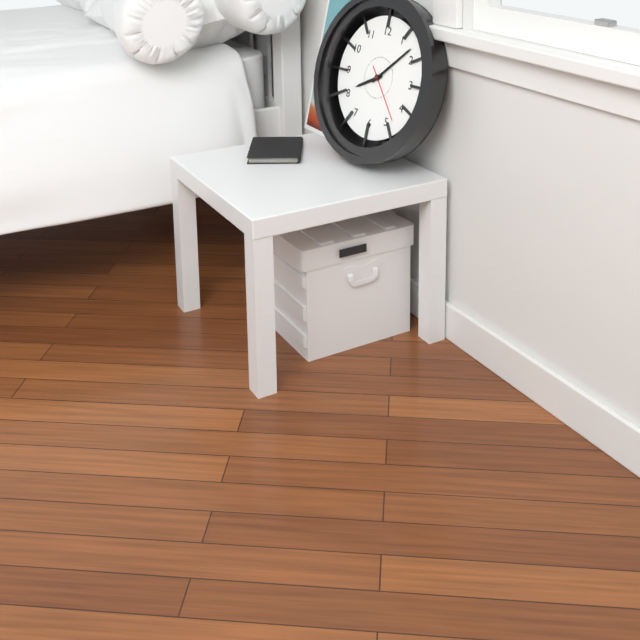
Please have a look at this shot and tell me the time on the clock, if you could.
8:08:23
